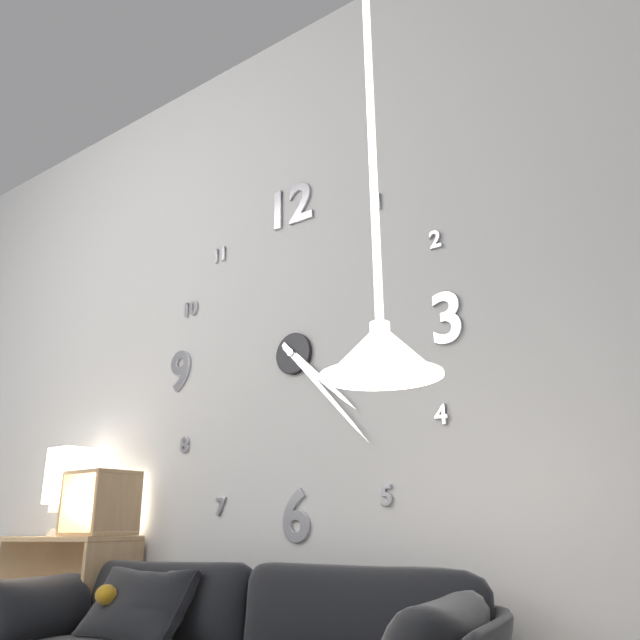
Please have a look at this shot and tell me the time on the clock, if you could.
4:23
